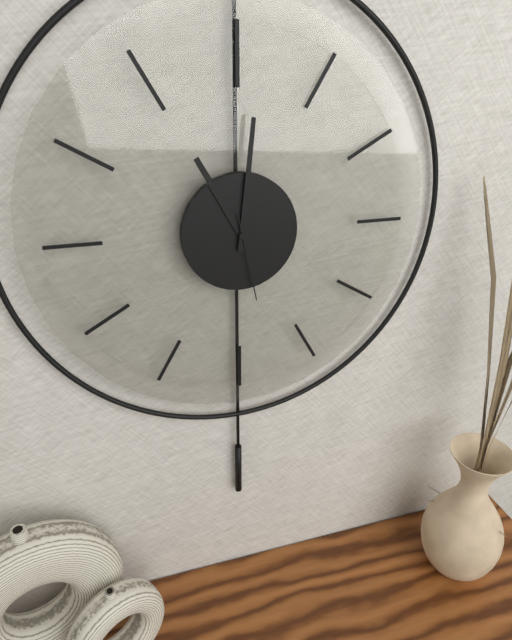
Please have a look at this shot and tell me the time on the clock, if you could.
11:01:28
